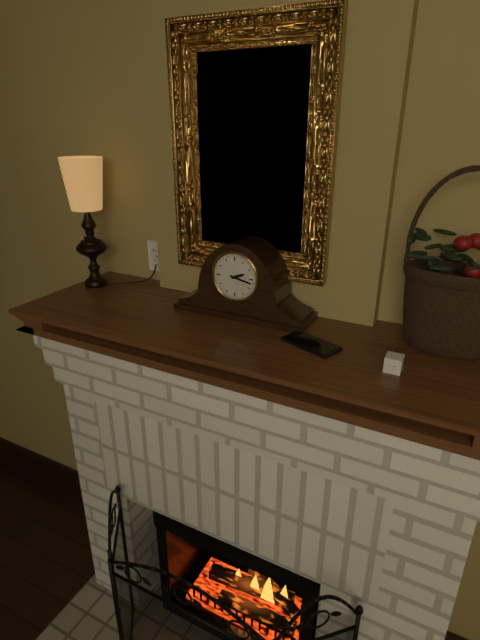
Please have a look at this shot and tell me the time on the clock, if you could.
2:17
